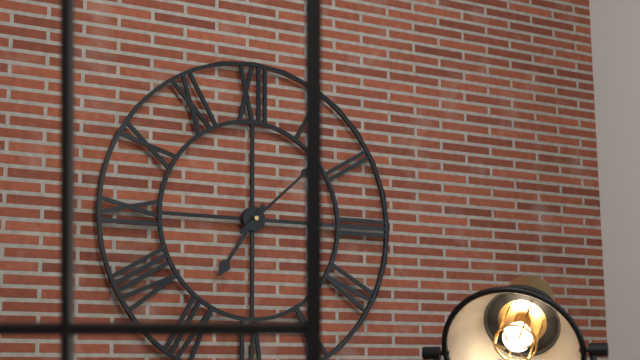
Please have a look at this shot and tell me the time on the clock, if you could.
7:08
